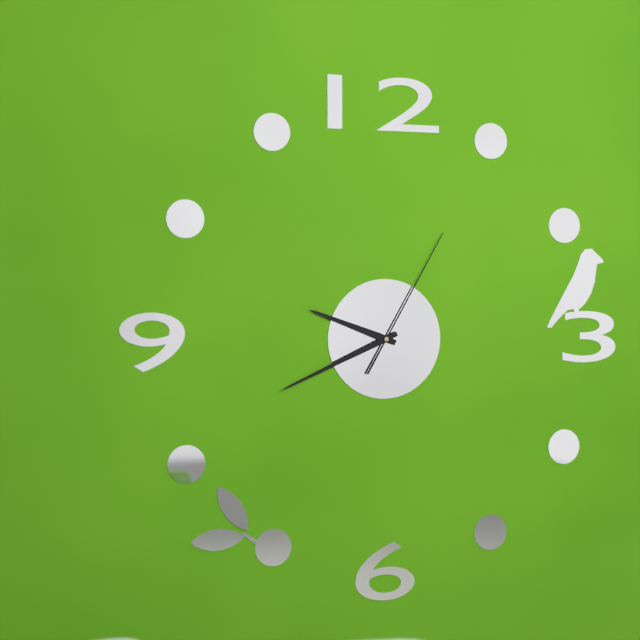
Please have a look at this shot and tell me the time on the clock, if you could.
9:41:05
